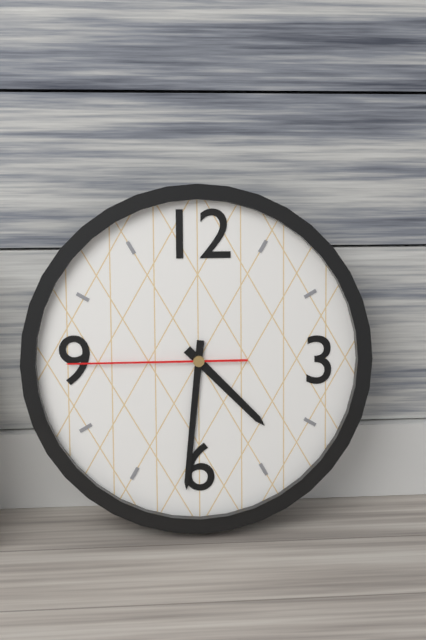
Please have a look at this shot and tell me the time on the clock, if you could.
4:31:45
